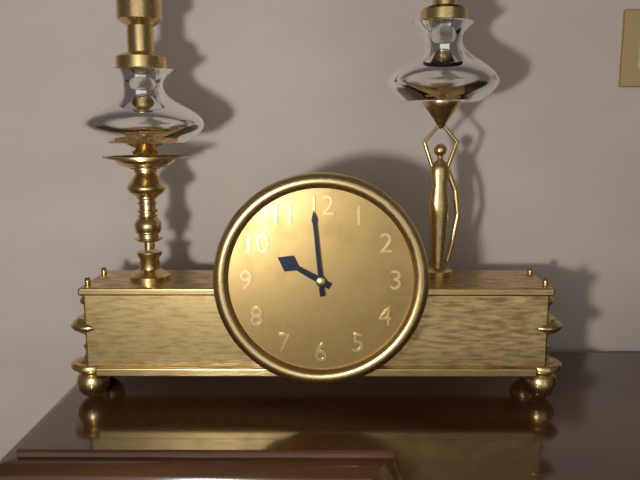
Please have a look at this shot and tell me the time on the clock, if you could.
9:59
